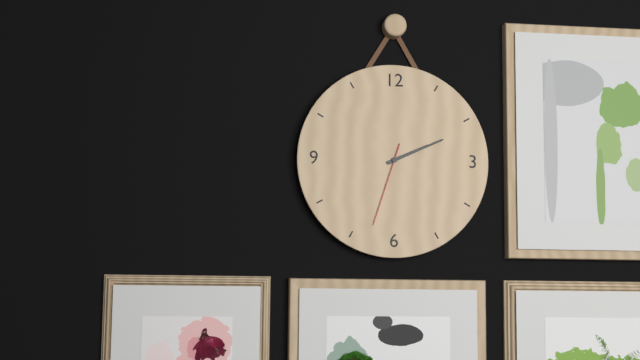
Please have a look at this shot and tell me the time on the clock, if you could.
2:11:33
